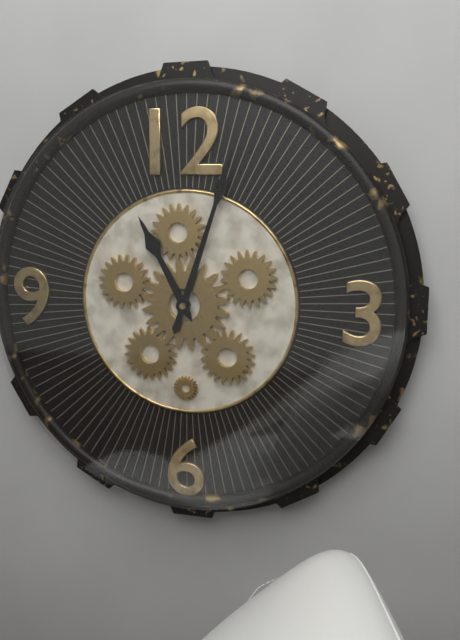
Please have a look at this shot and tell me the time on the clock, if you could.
11:03
